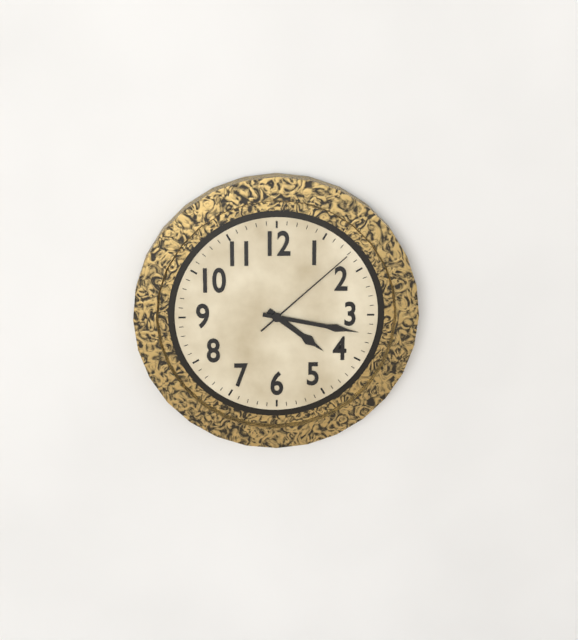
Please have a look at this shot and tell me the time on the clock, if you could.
4:17:08
